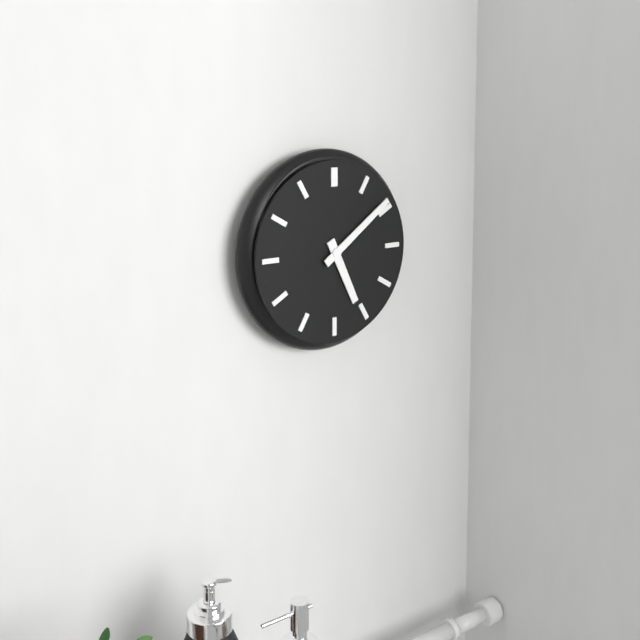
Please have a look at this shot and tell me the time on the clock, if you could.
5:09
